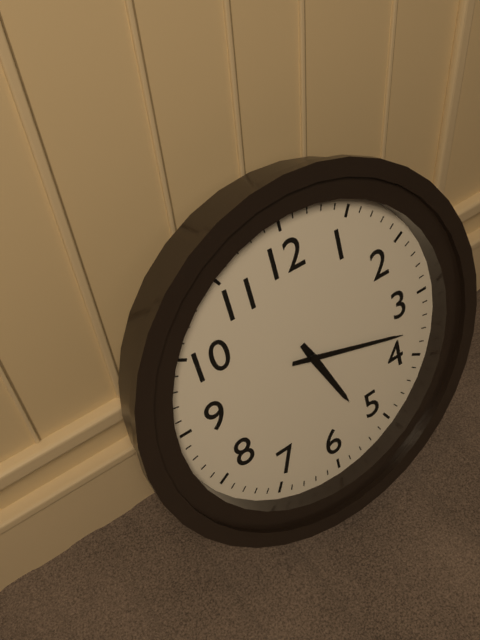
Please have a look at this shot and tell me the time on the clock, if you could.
5:18
